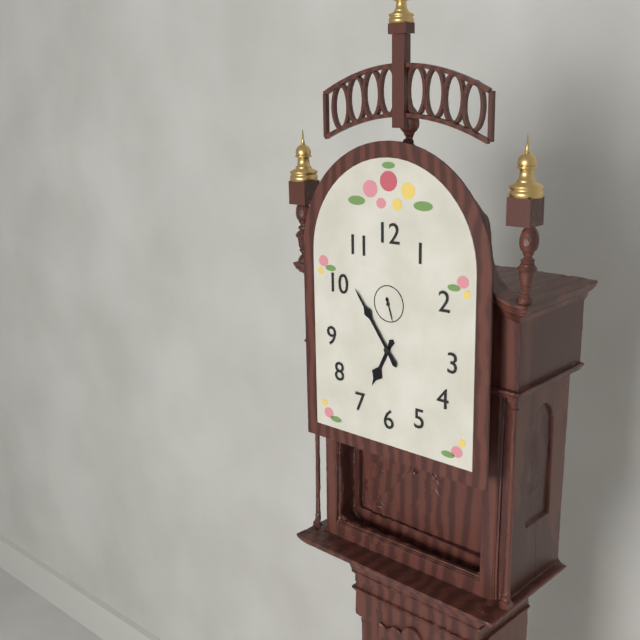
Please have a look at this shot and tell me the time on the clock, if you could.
6:54
